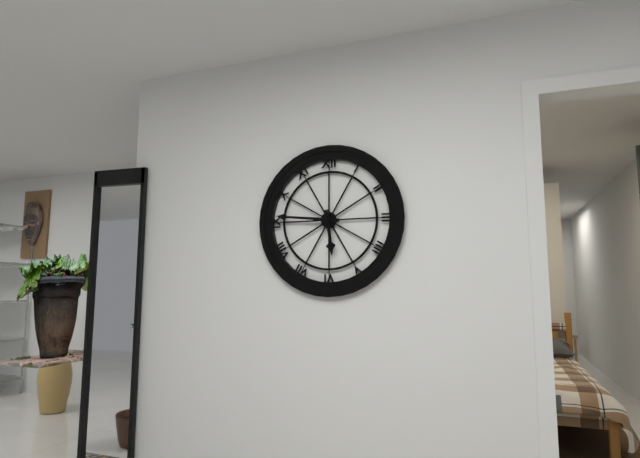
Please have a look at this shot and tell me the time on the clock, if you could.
5:46
